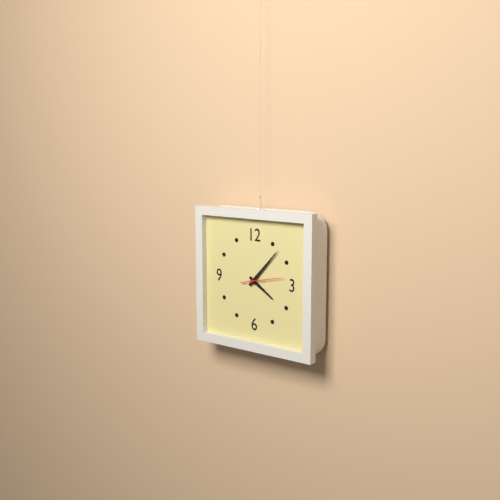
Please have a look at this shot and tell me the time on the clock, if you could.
4:07
